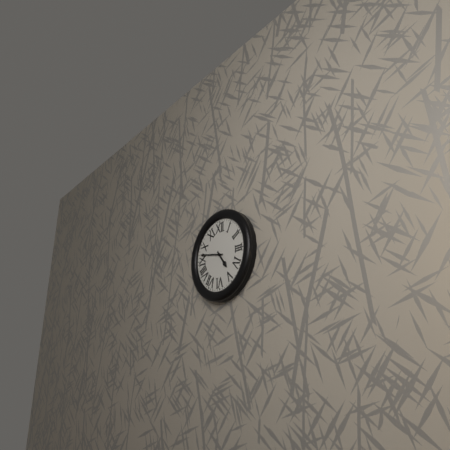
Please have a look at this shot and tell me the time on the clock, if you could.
4:47
